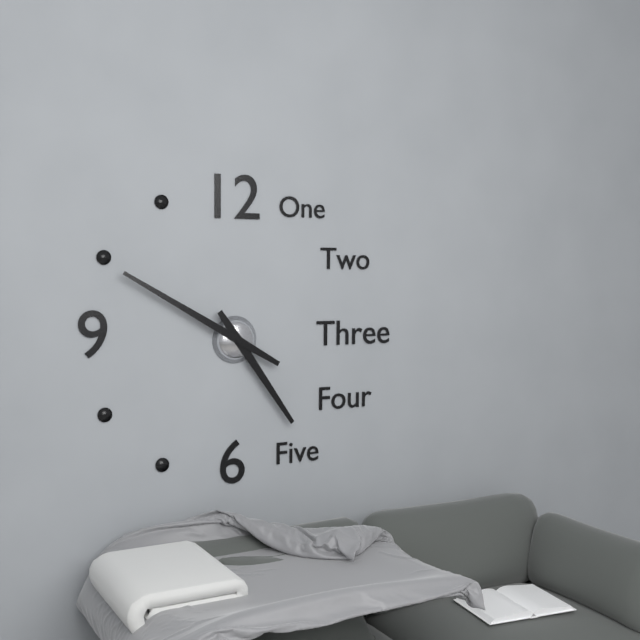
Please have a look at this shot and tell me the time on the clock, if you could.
4:50
